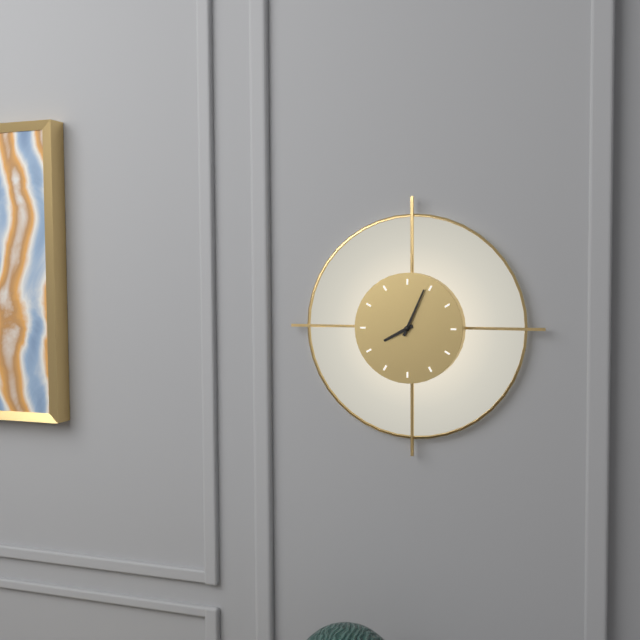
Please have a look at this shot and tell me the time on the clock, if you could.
8:04
